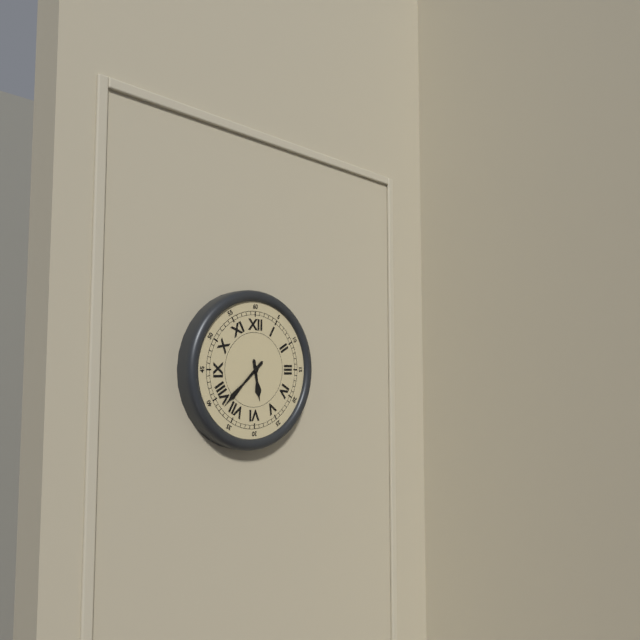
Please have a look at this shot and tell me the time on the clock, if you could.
5:38
